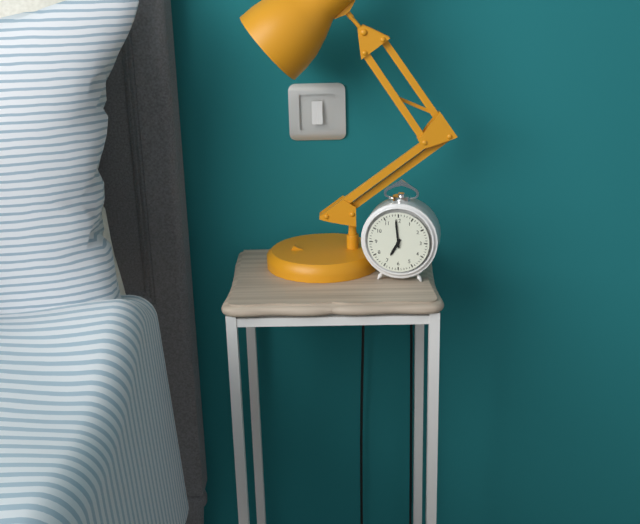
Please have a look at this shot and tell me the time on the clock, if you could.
6:59
